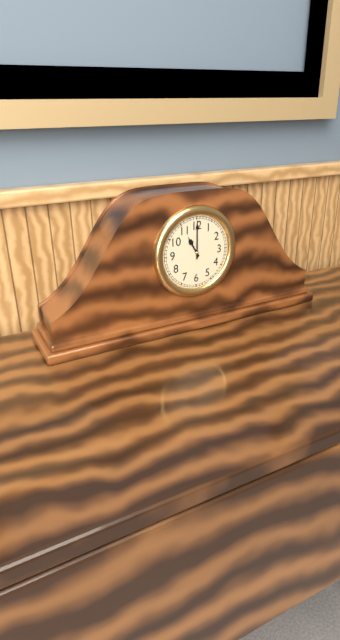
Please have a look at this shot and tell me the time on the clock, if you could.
11:00
